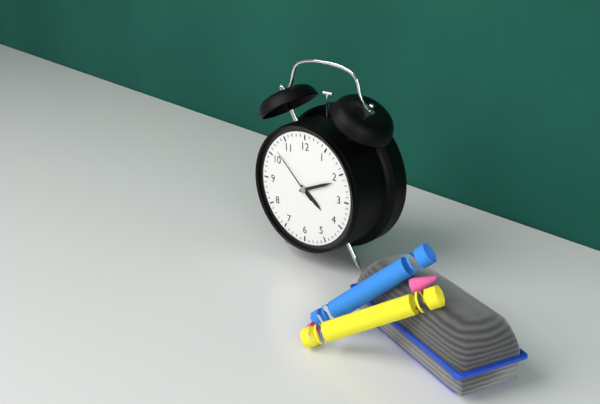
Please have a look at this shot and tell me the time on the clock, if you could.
4:11:52
